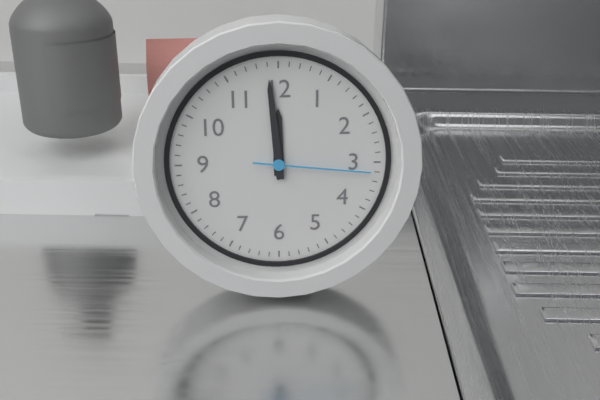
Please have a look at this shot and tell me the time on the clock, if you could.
11:59:16
